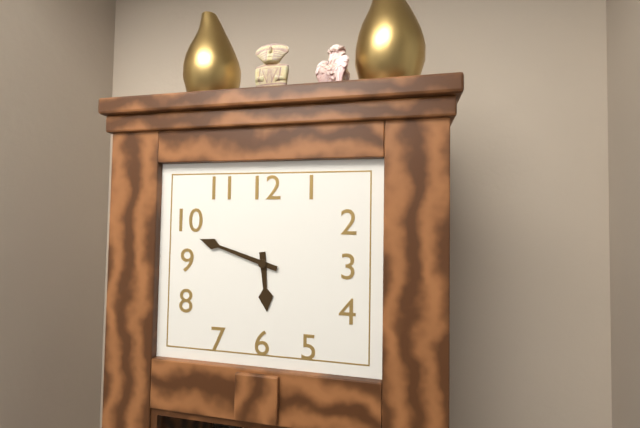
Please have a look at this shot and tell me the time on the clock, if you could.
5:48
